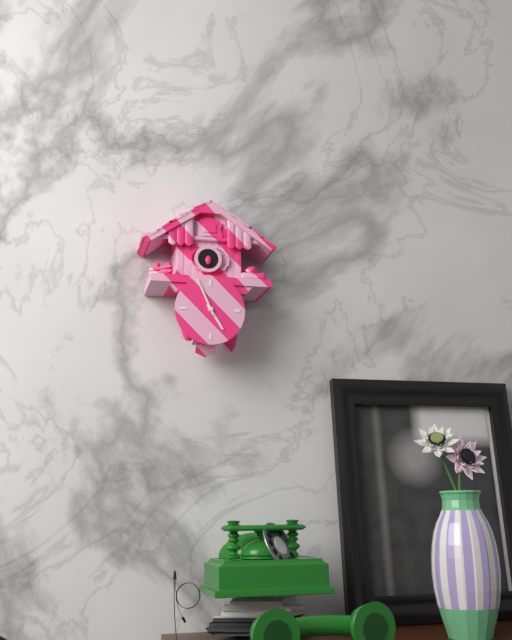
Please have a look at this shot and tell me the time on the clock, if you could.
4:56
